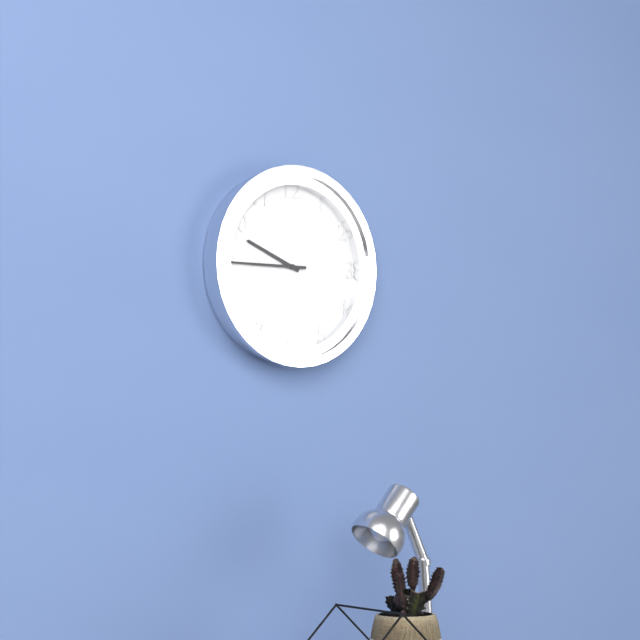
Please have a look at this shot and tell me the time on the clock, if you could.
9:45
